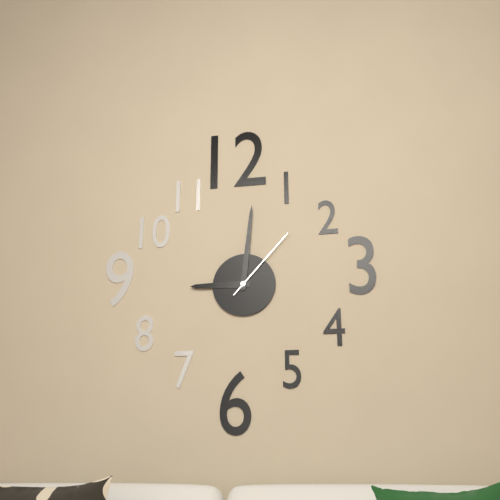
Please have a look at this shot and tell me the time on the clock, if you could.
9:01:07
